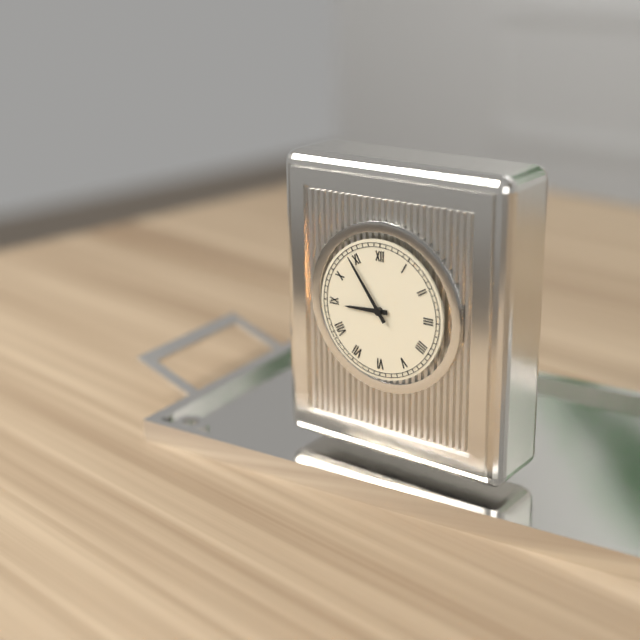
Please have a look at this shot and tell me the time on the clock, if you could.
8:54
